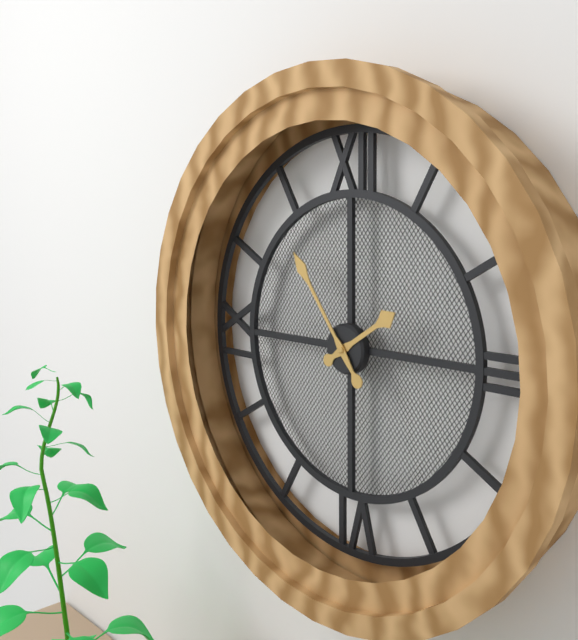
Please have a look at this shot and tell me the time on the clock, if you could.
1:54
